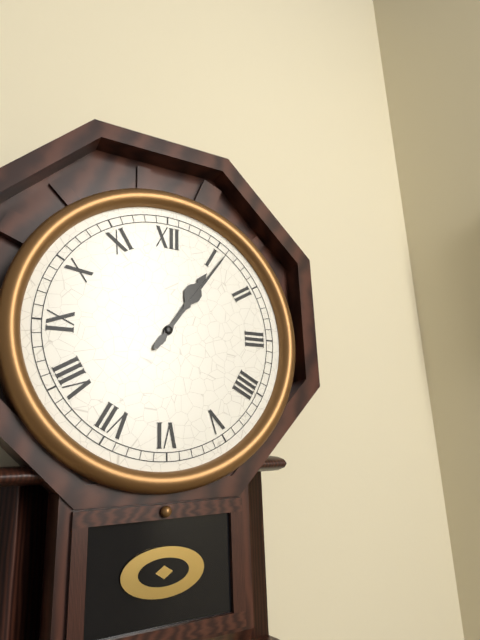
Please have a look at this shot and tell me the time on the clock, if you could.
1:06
